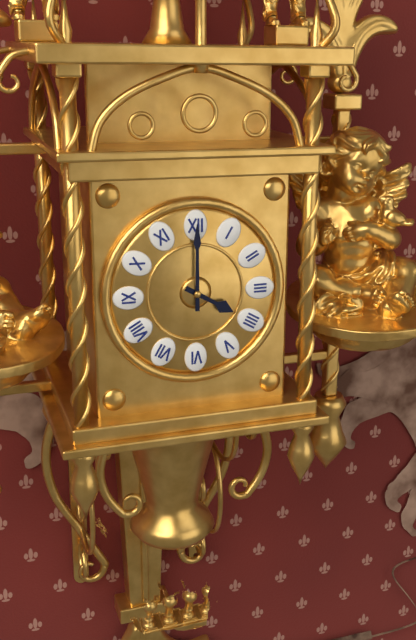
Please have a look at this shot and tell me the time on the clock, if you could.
4:00
